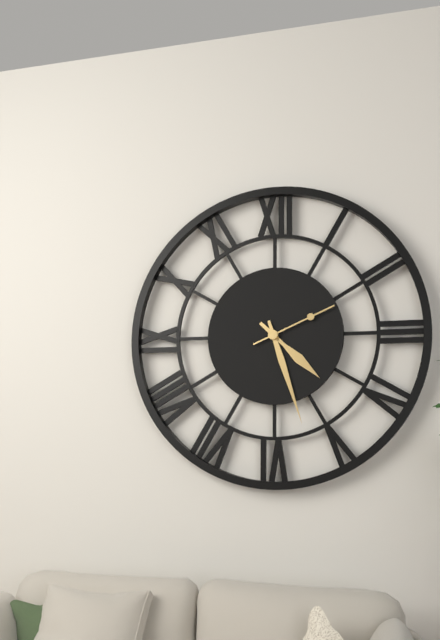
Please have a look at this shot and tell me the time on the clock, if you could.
4:27:11
